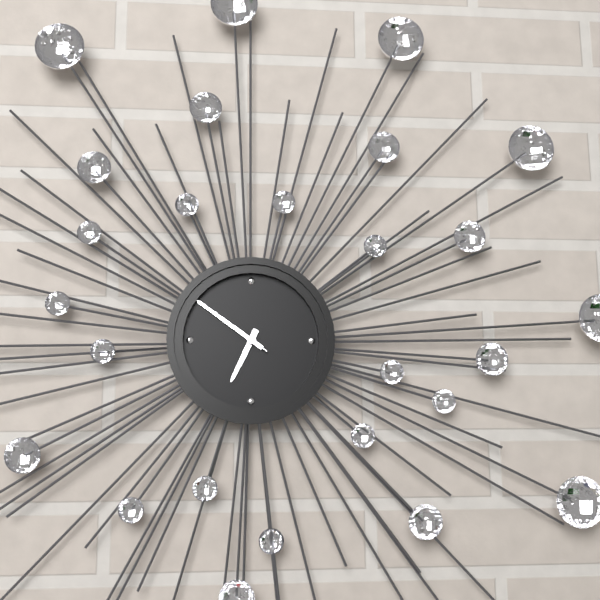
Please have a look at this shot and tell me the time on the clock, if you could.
6:51:51
